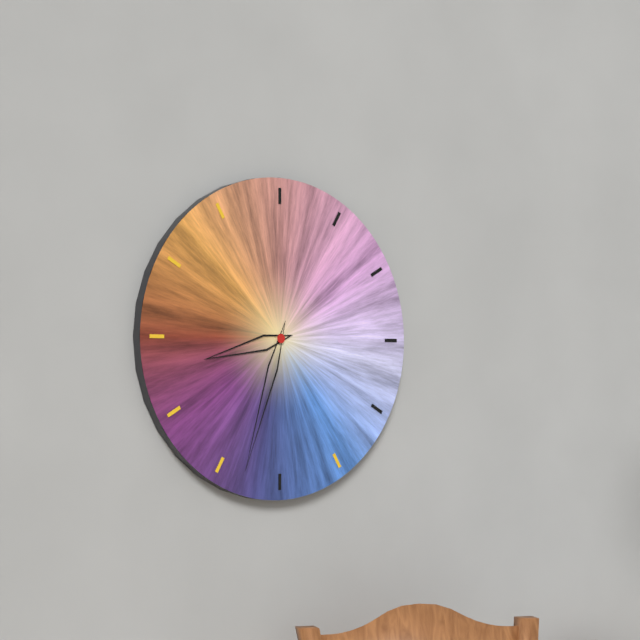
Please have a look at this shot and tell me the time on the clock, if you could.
8:33
